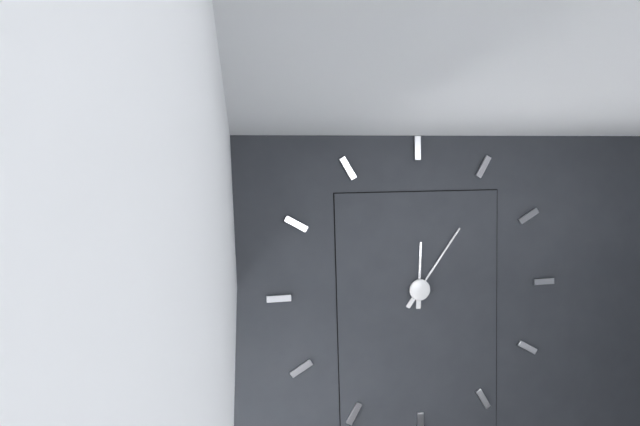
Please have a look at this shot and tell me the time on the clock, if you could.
12:06
